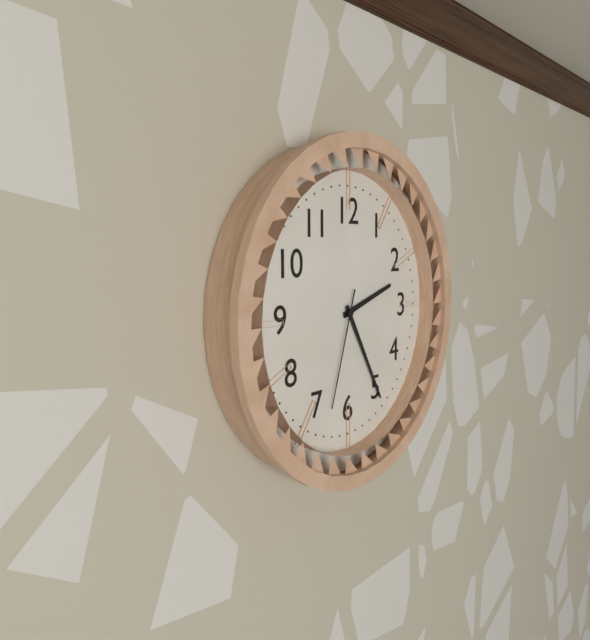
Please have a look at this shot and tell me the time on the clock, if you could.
2:25:33
